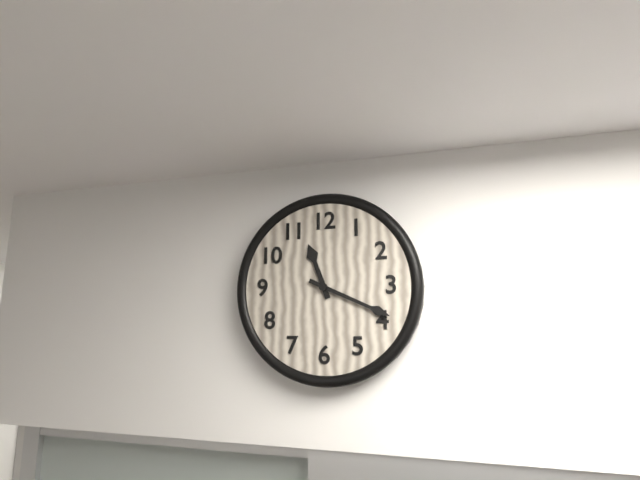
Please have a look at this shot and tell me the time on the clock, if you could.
11:19
